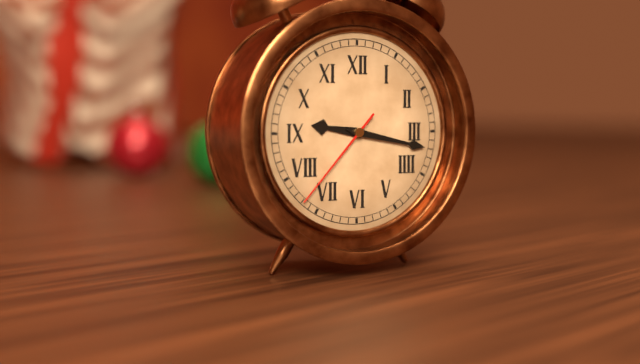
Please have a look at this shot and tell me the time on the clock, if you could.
9:17:37
